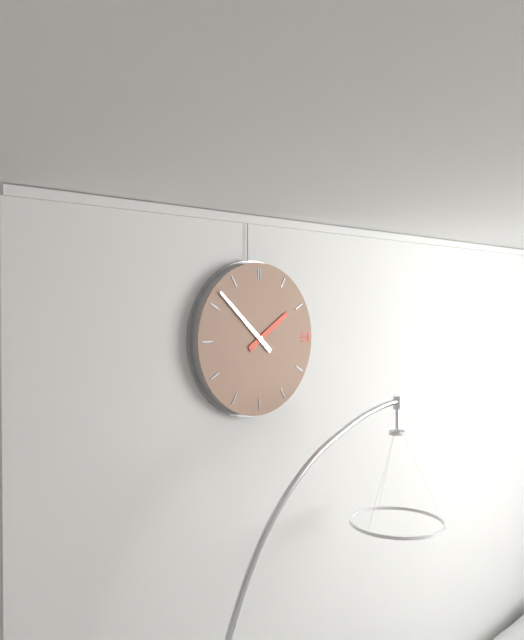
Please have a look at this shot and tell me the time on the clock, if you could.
1:52
